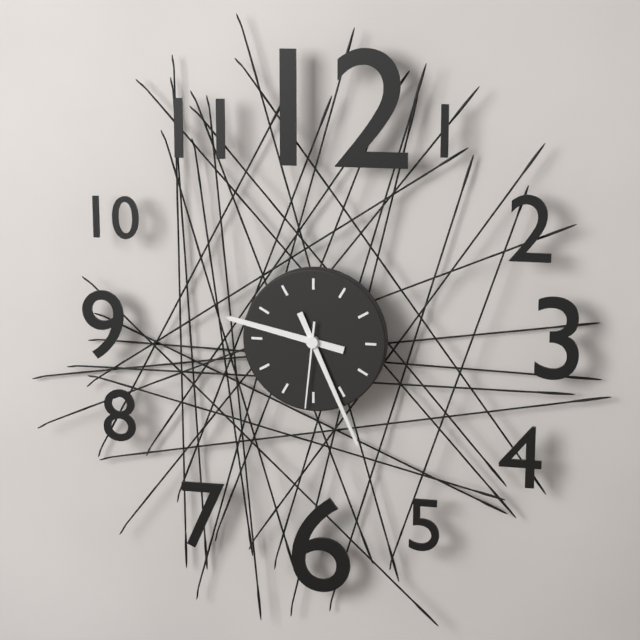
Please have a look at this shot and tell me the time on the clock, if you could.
9:26:31
